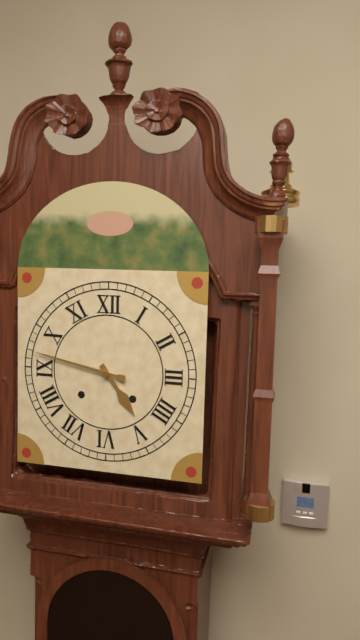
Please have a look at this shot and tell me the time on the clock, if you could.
4:47
